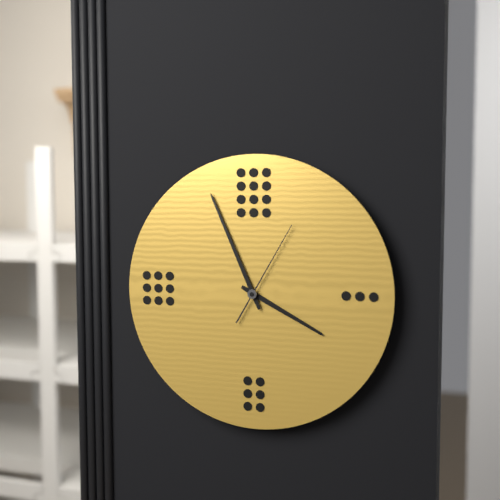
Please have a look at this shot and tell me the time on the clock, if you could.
3:56:05
